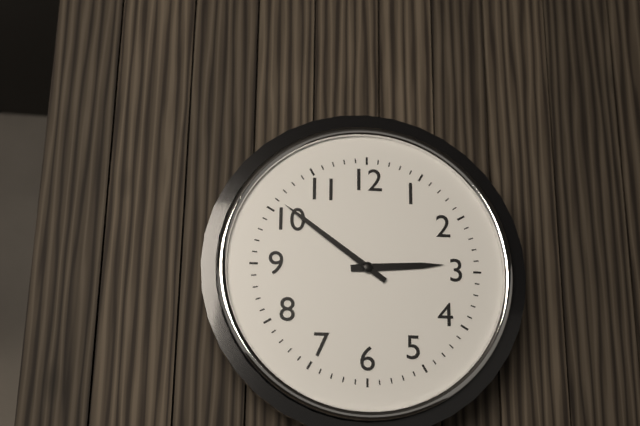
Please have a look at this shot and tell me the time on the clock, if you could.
2:51
